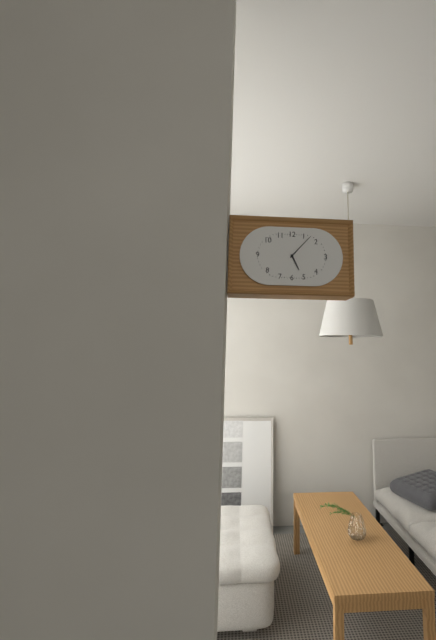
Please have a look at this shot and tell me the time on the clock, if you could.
5:07
